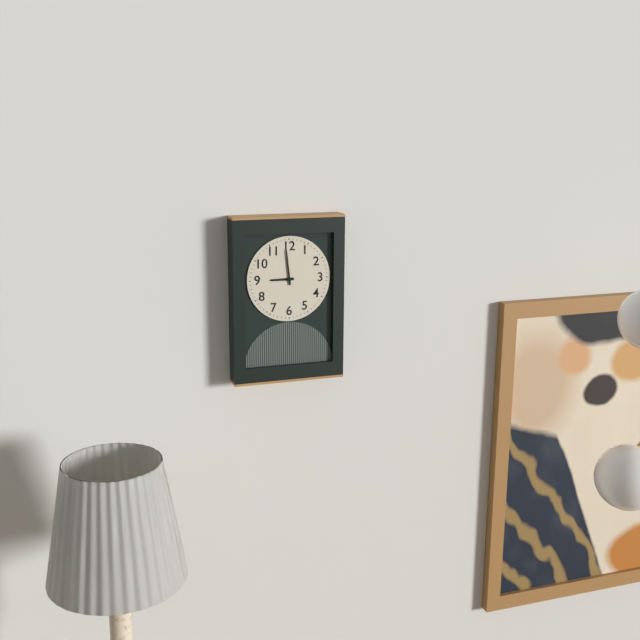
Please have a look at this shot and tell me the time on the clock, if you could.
8:59
